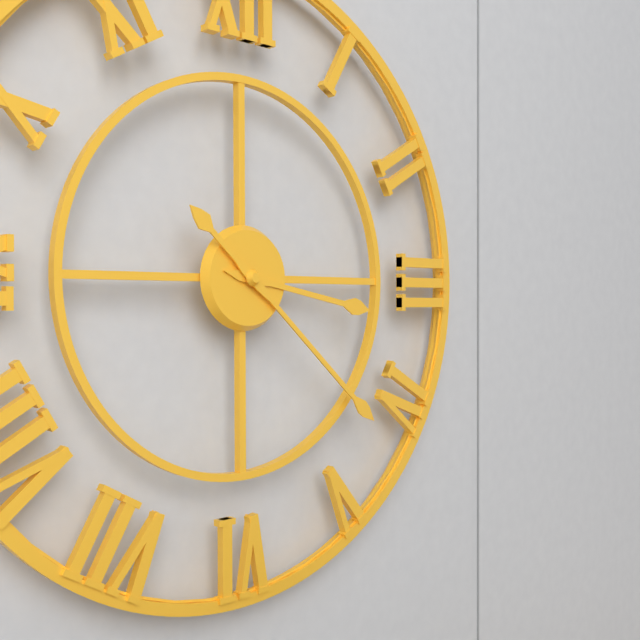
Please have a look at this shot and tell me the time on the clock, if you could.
3:22
